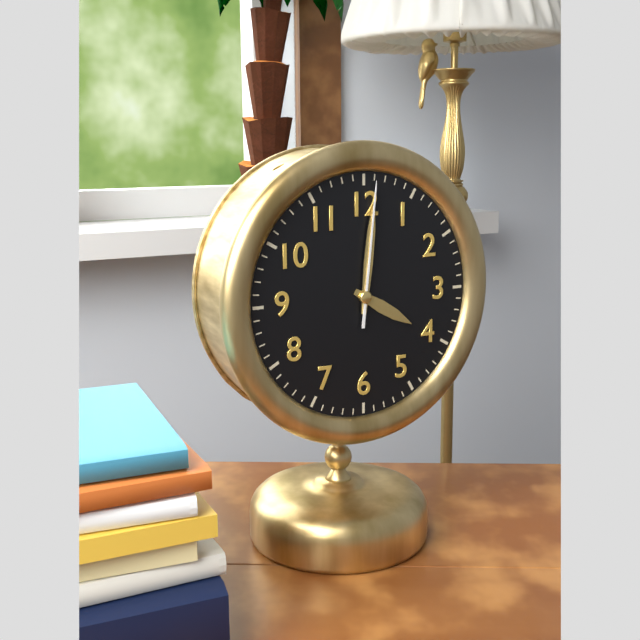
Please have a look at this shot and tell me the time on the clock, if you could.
4:01:01
